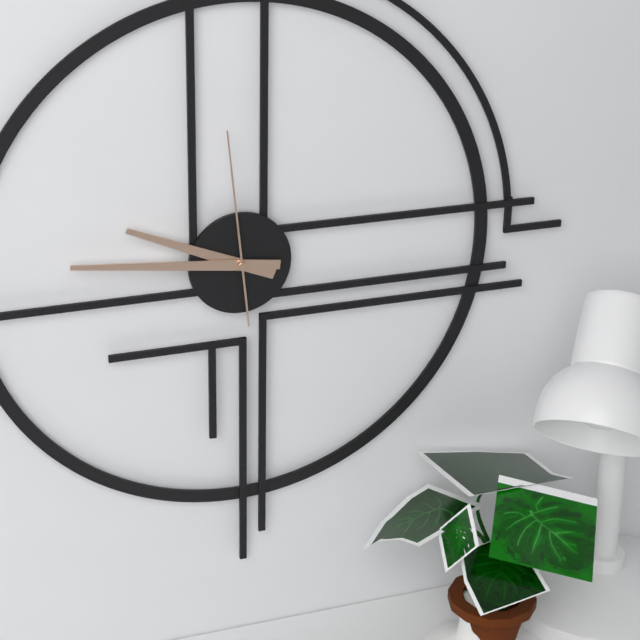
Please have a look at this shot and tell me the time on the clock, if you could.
9:46:59
